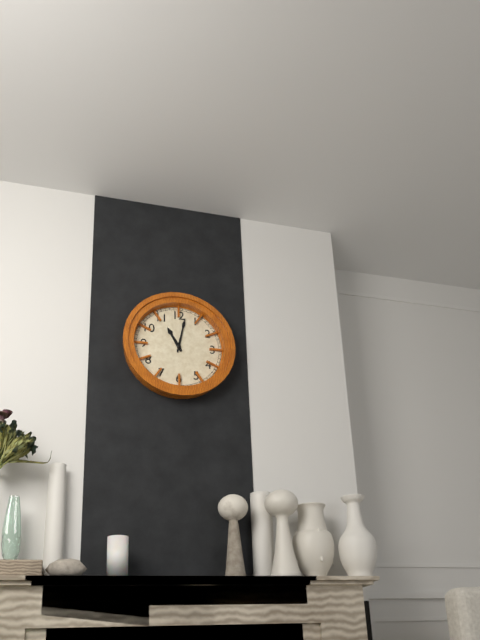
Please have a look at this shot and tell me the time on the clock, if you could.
11:02
